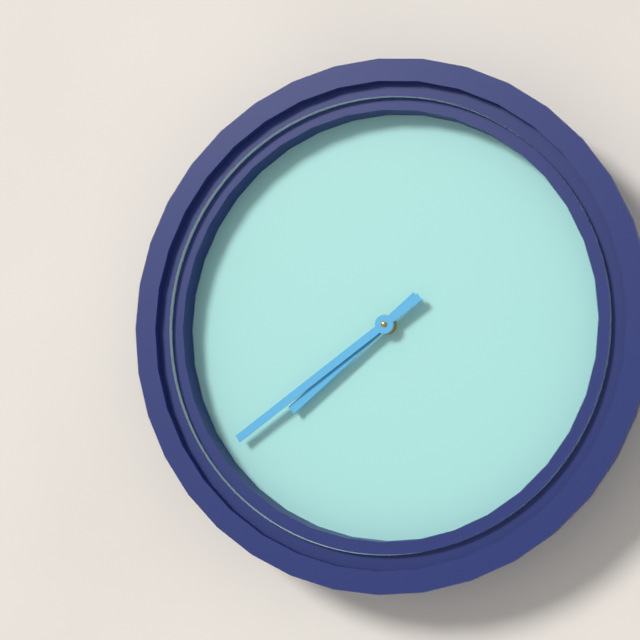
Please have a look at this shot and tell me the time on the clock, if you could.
7:39
